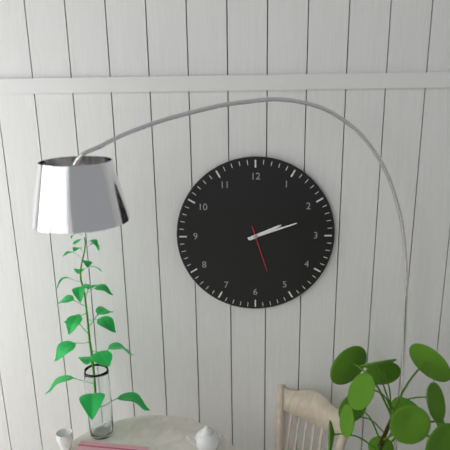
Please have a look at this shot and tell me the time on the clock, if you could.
2:12
